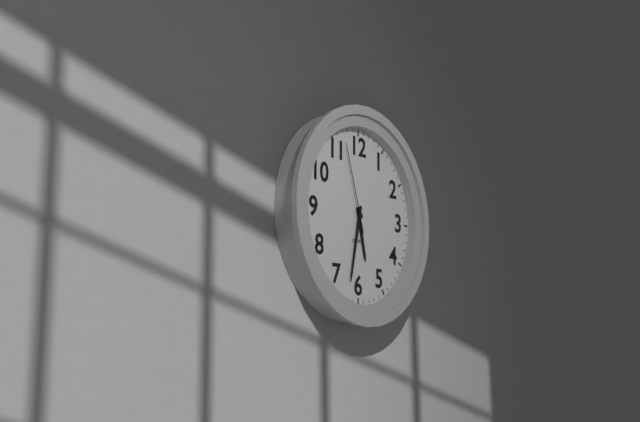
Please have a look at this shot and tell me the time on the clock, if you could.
5:32:57
